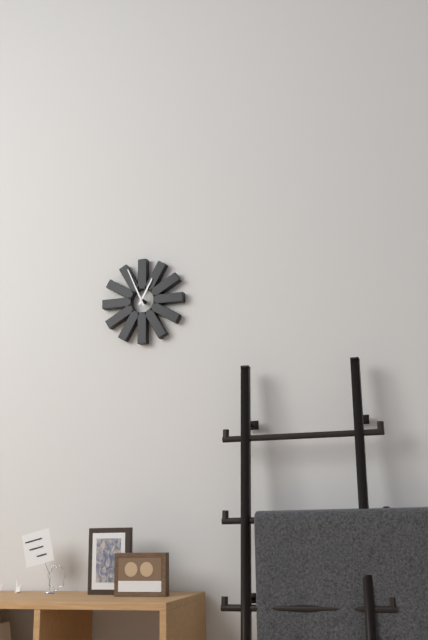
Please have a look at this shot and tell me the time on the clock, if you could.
12:56
